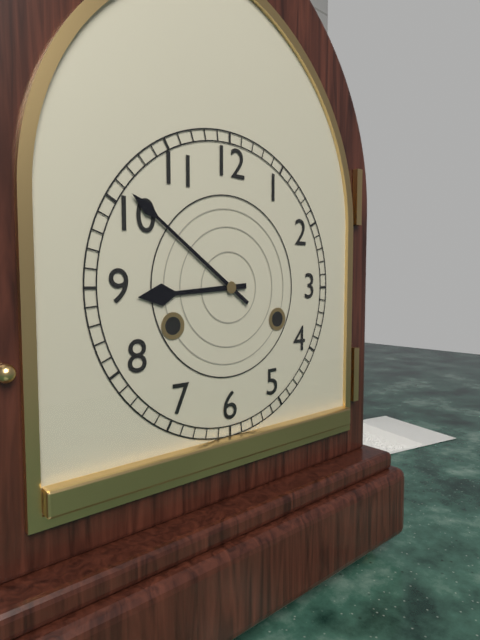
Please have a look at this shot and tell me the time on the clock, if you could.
8:51
